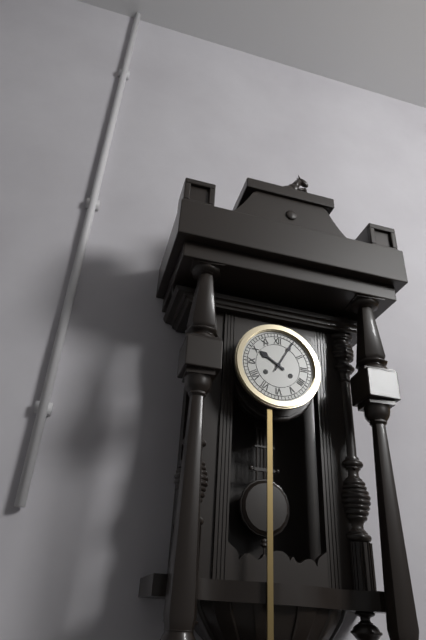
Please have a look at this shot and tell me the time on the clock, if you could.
10:05
